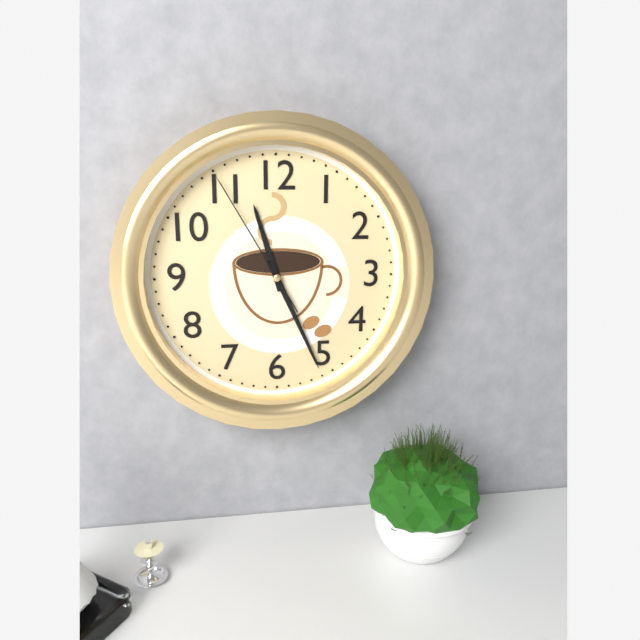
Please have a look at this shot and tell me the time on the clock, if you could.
11:26:55
